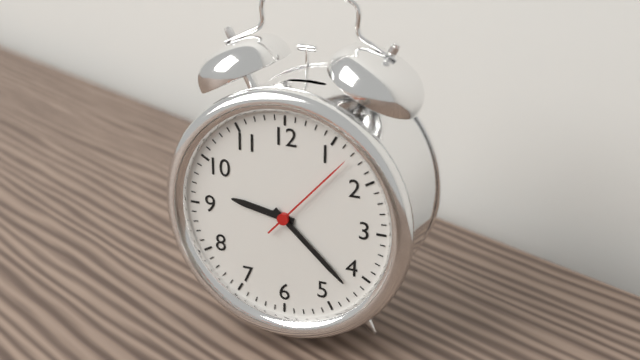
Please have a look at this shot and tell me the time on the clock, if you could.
9:22:07
